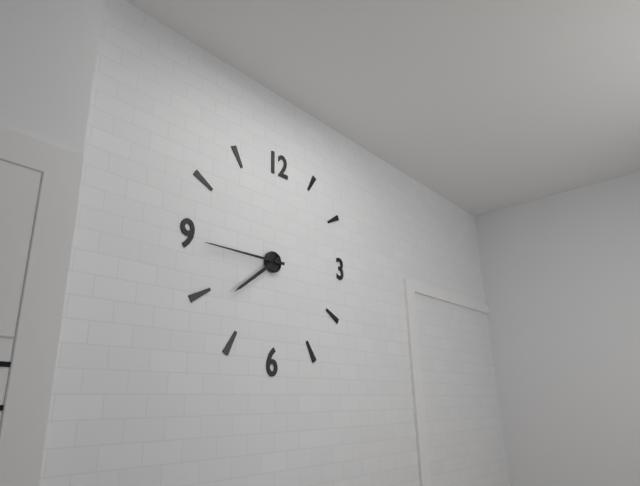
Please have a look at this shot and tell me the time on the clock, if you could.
7:45
